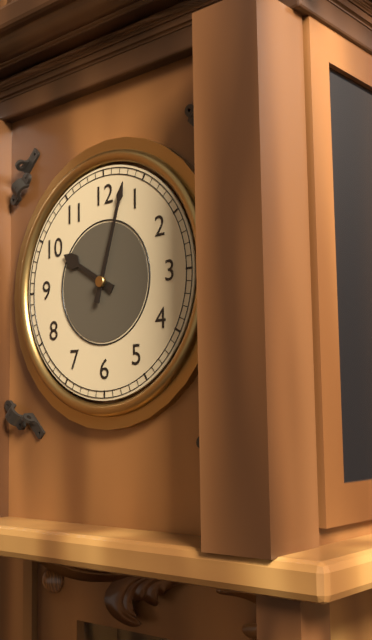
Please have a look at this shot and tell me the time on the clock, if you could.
10:03
